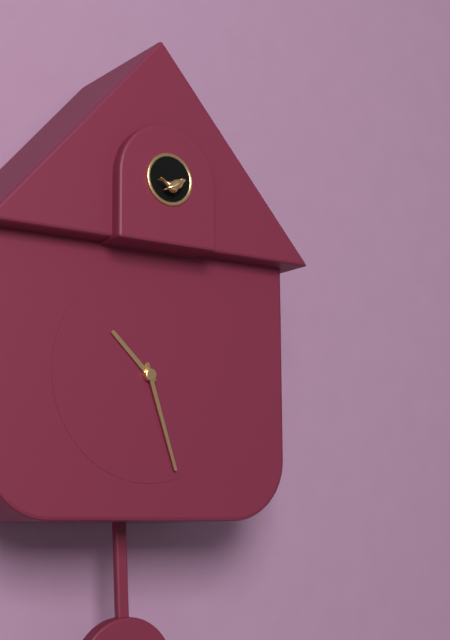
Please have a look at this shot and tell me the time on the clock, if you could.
10:27
